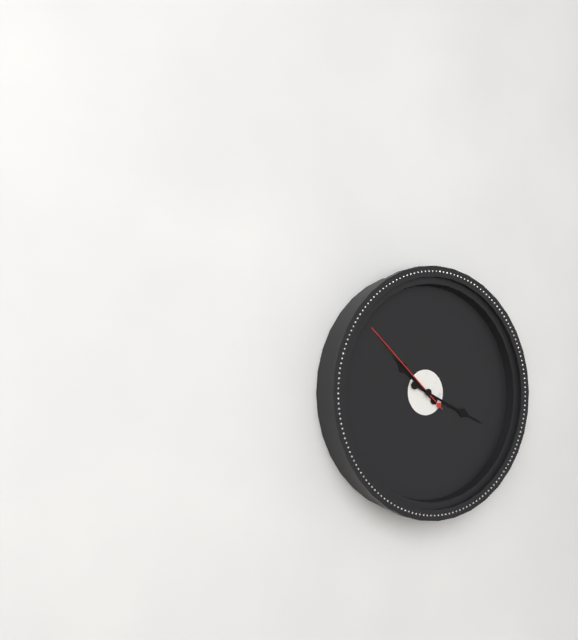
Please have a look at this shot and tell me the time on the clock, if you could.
10:19:52
